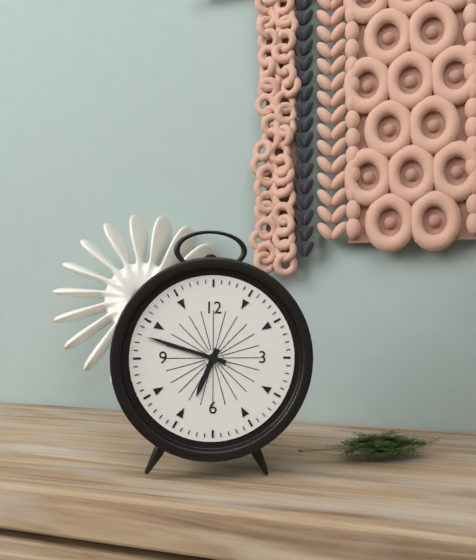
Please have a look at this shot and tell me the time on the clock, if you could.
6:48
